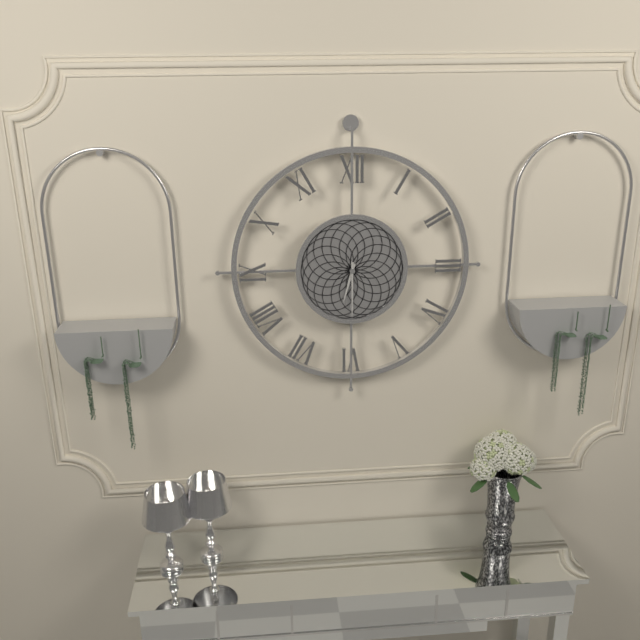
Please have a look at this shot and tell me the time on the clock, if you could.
6:30
